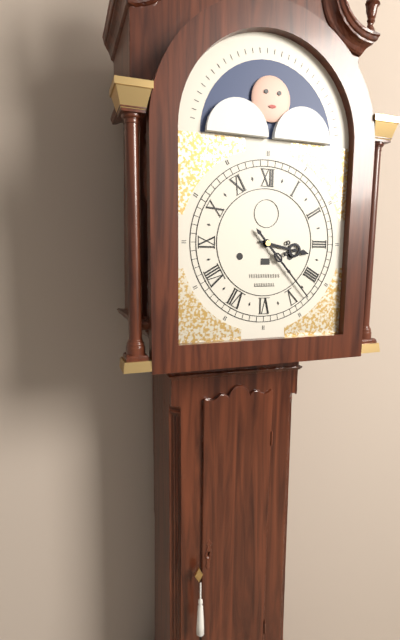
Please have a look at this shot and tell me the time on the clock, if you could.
3:23
